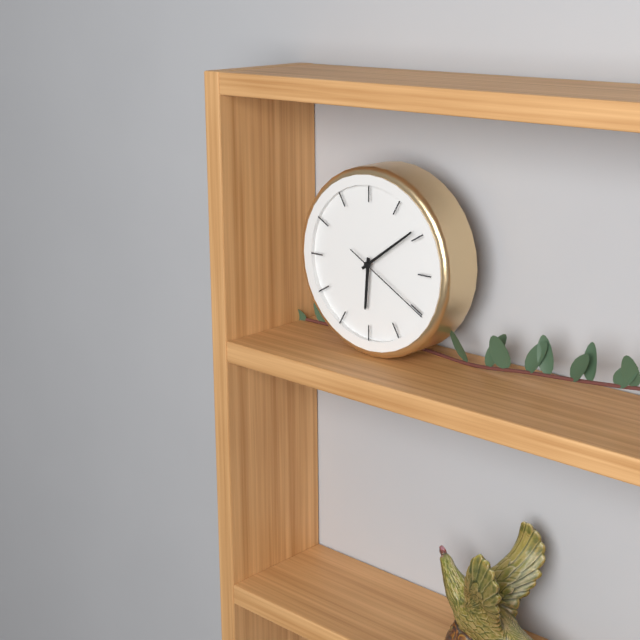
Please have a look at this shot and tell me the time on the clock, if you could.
6:09:20
